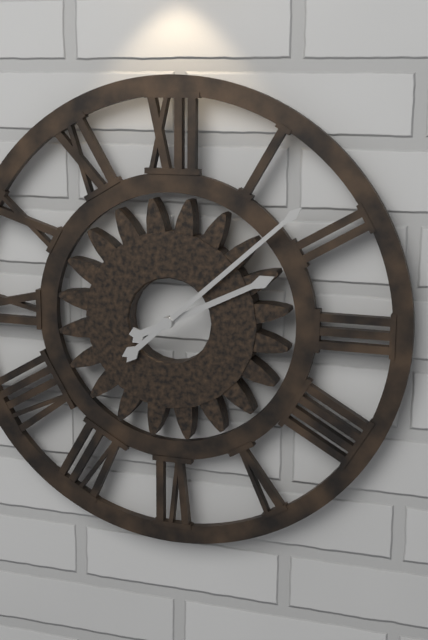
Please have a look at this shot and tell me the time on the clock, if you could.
2:08
